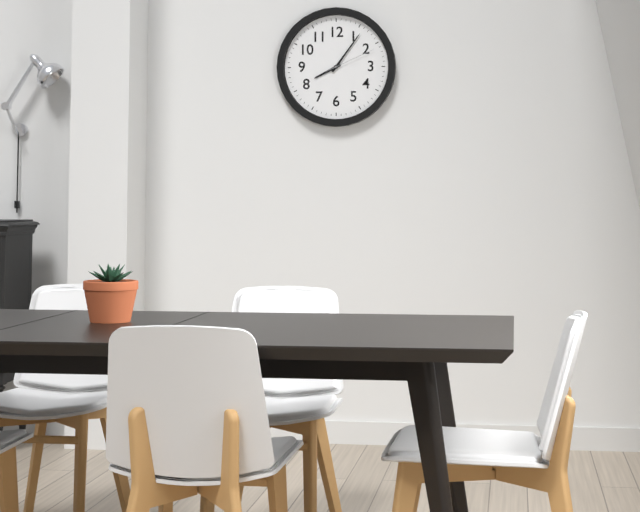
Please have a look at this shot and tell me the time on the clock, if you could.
8:06:11
